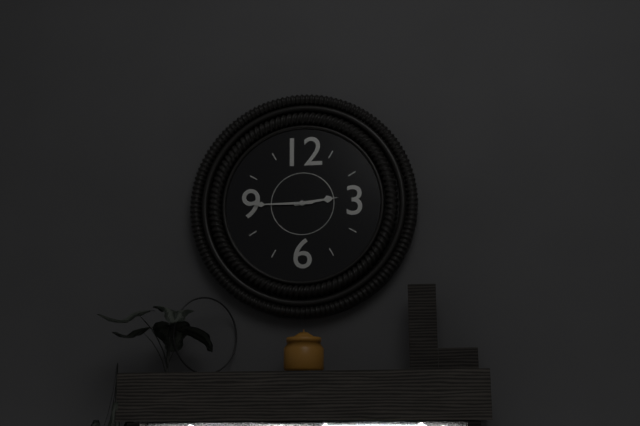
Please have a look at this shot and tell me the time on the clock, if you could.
2:45
